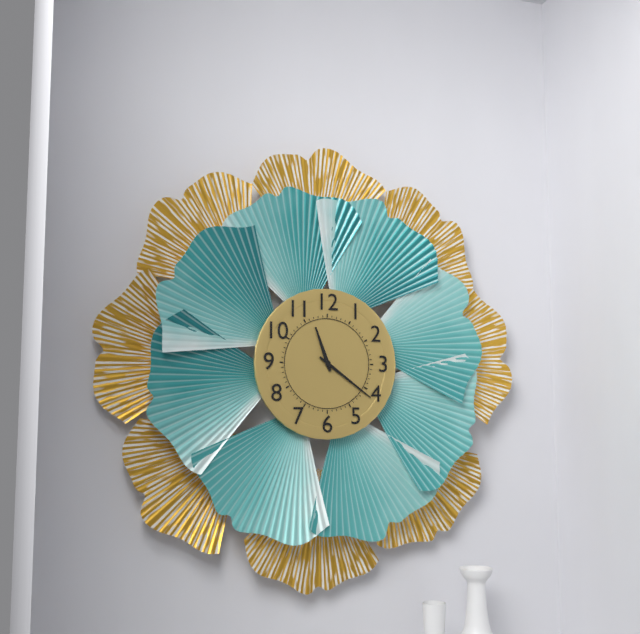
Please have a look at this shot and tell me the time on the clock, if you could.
11:21
